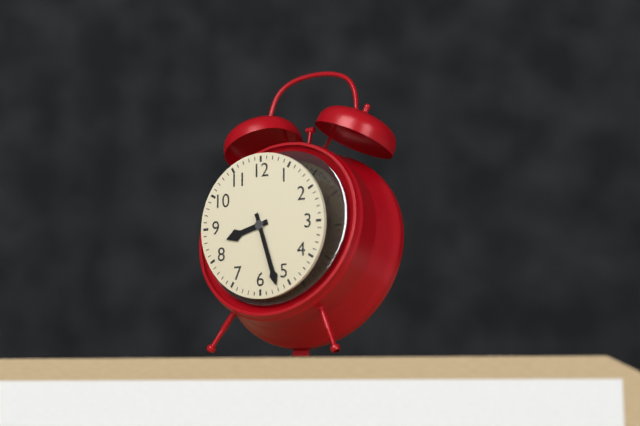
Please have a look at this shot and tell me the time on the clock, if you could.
8:27
